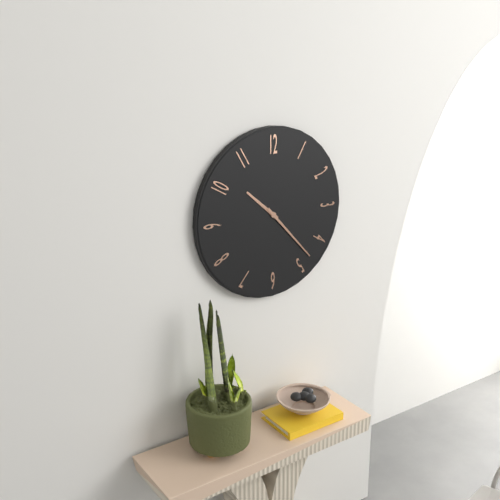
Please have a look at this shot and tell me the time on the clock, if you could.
10:23
